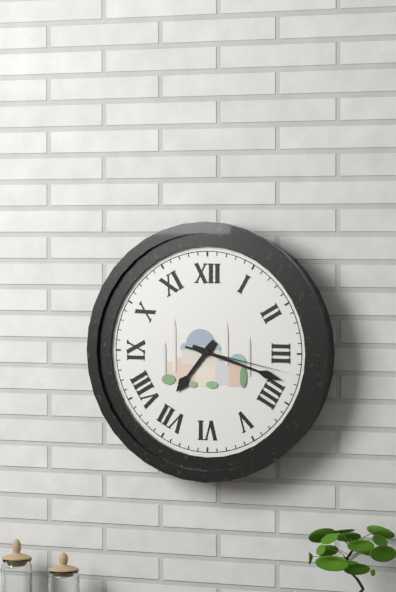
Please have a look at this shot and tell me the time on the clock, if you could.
7:18:17
